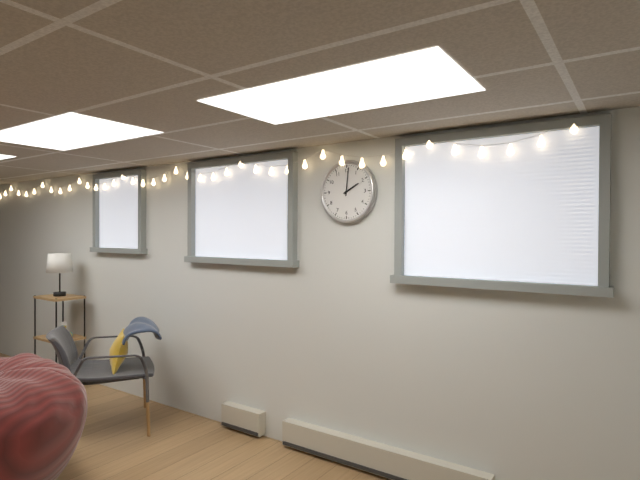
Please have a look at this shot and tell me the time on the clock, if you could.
2:01
